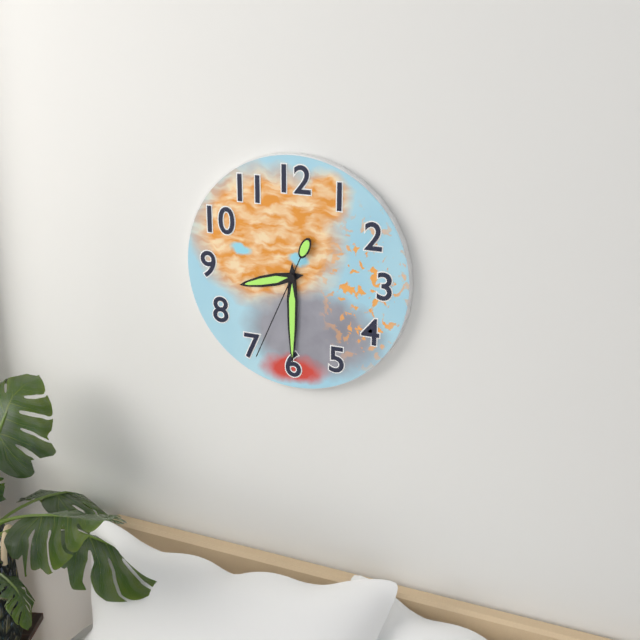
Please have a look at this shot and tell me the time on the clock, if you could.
8:30:34
